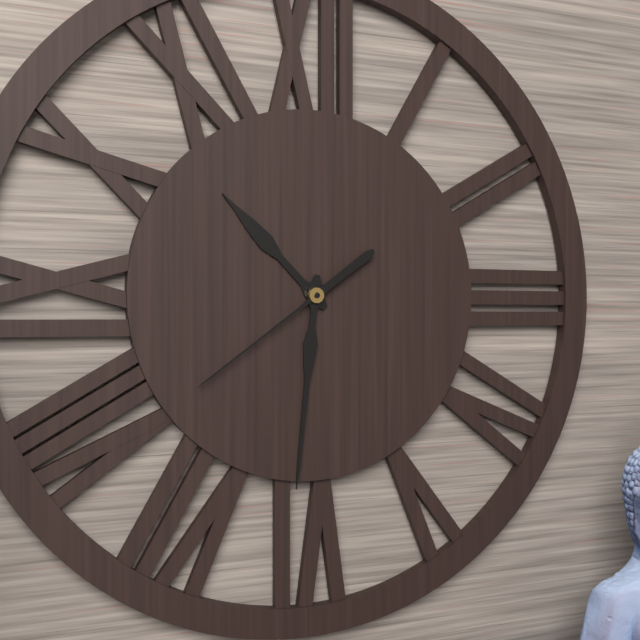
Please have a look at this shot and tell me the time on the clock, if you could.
10:31:39
